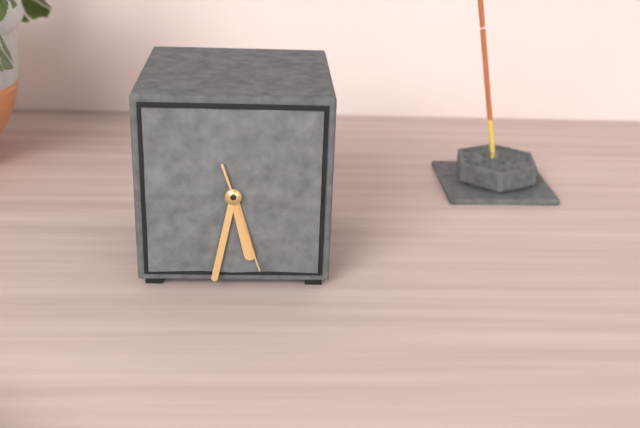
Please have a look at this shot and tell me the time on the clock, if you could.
5:32:27
